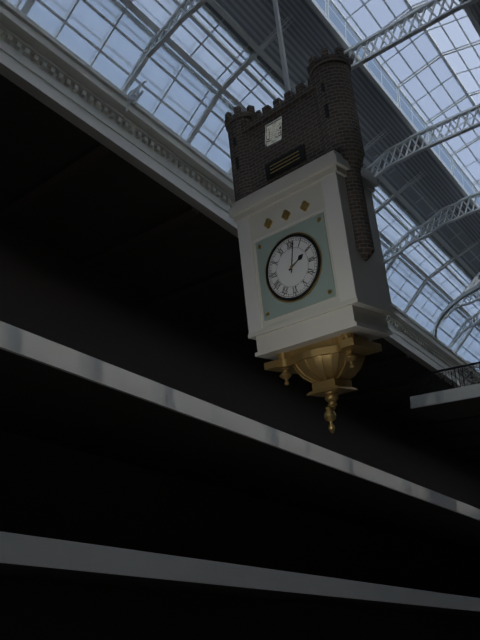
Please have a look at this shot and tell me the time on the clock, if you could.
2:02
